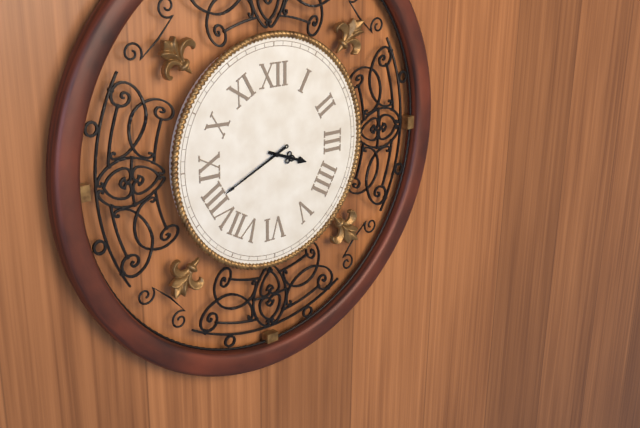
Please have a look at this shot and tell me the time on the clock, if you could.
3:41
